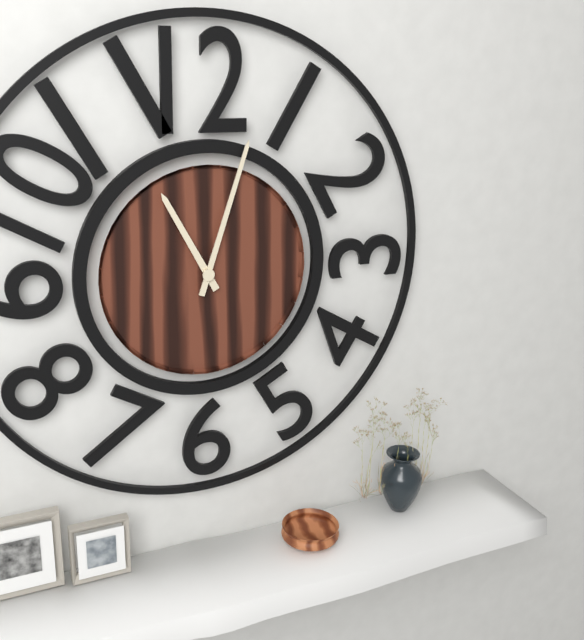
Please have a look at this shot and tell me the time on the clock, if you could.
11:03
